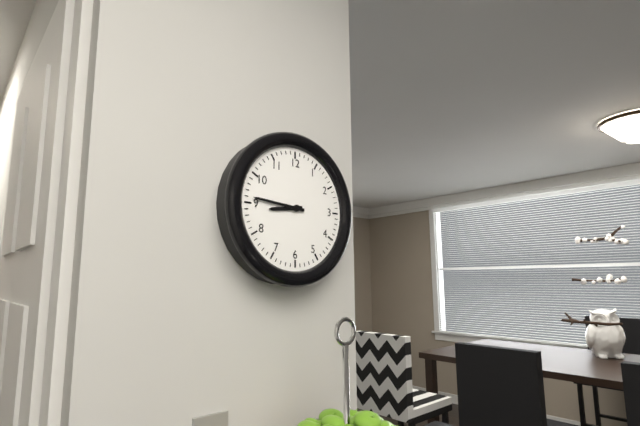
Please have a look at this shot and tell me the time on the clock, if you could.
8:46
